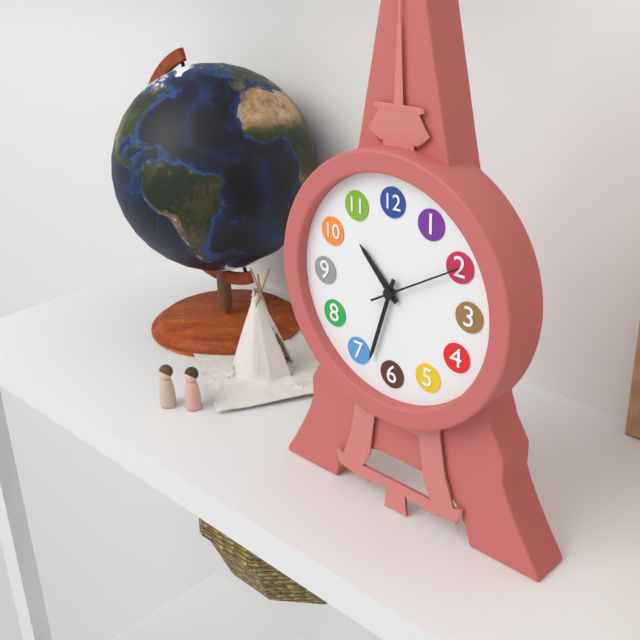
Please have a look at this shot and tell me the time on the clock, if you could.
10:33:10
